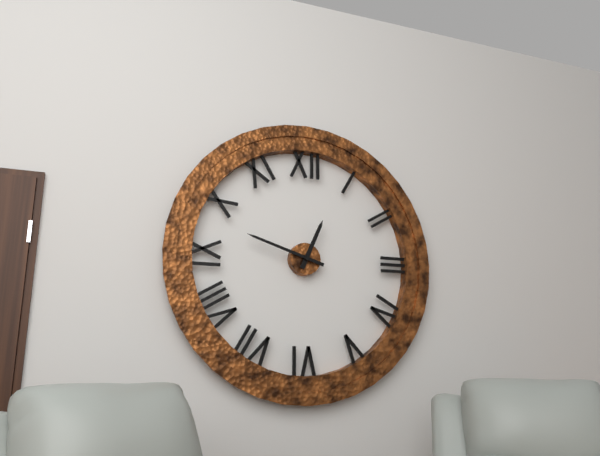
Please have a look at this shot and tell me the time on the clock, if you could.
12:48
